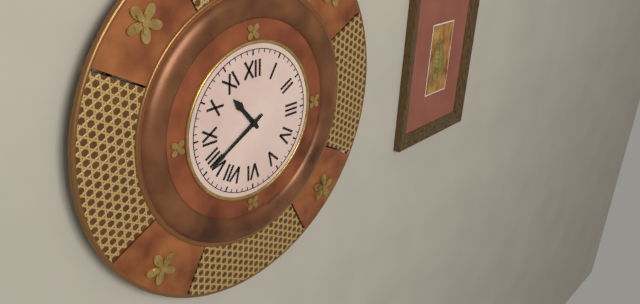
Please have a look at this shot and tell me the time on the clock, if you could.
10:40
